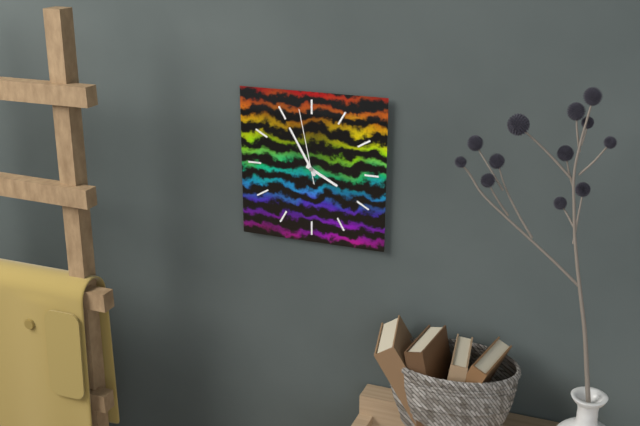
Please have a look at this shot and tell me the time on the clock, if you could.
3:55:58
